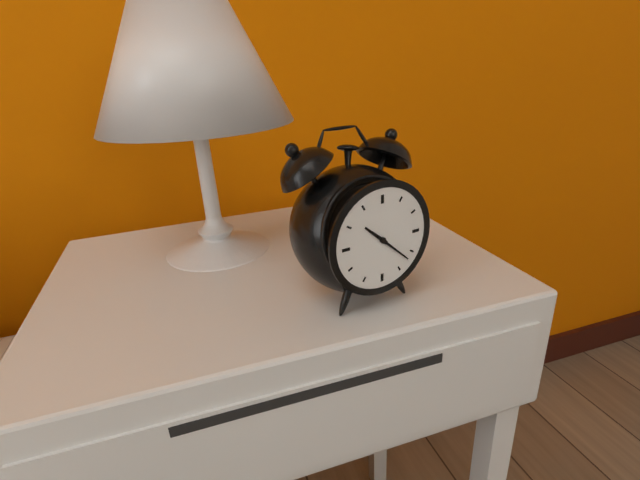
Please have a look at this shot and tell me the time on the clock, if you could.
10:22
